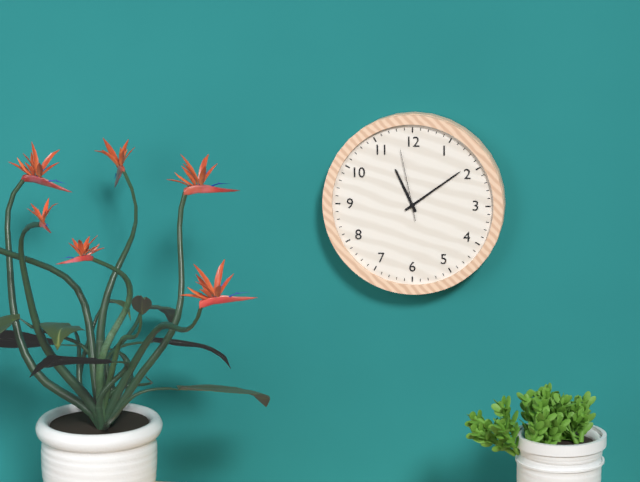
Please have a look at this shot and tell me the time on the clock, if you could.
11:09:58
